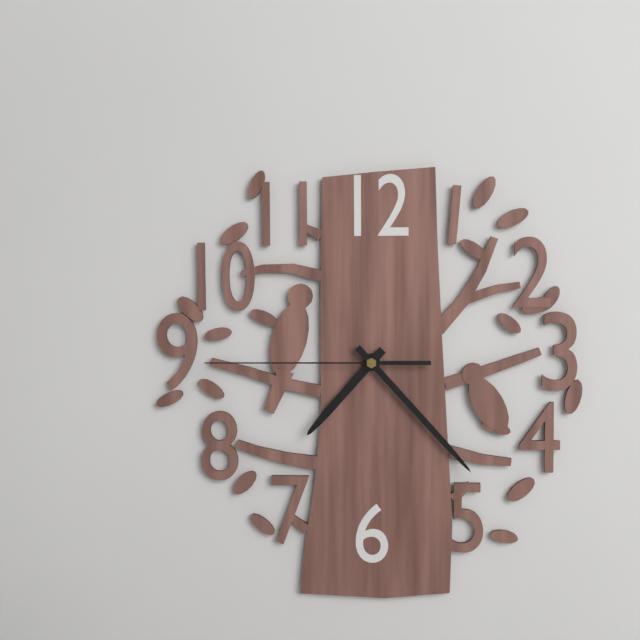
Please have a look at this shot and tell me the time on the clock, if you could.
7:23:45
